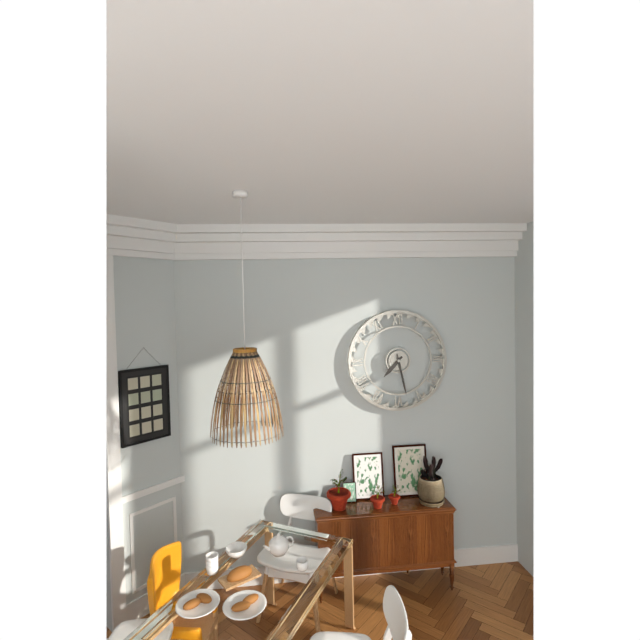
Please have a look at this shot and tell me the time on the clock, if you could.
7:28
